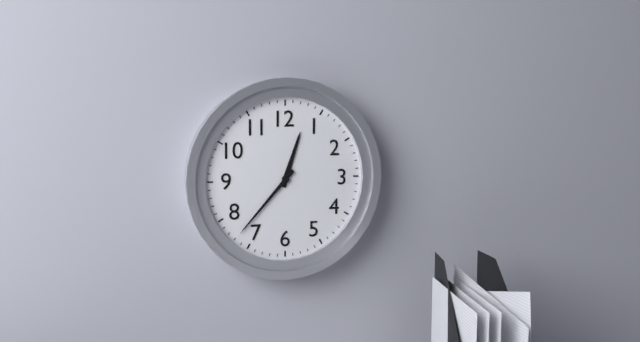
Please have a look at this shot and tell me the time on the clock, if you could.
12:37
